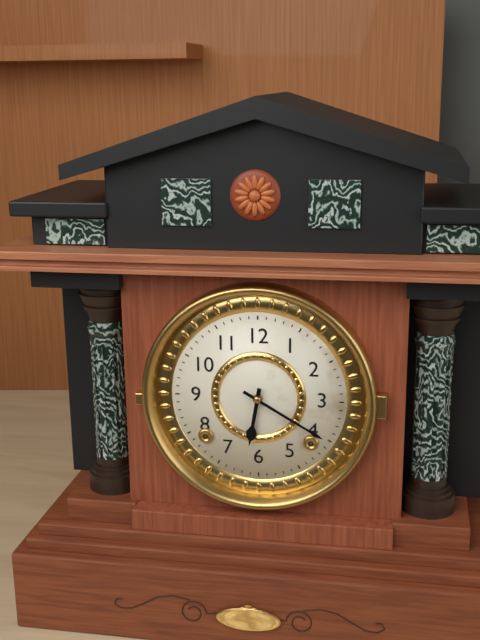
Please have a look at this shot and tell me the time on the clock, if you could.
6:20
